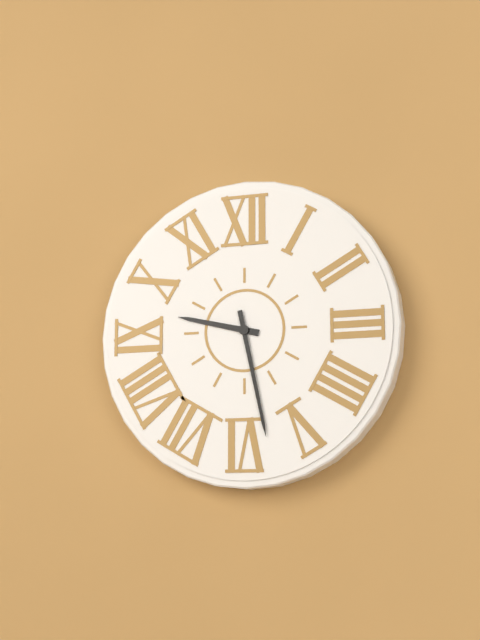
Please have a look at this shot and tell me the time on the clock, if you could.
9:28
